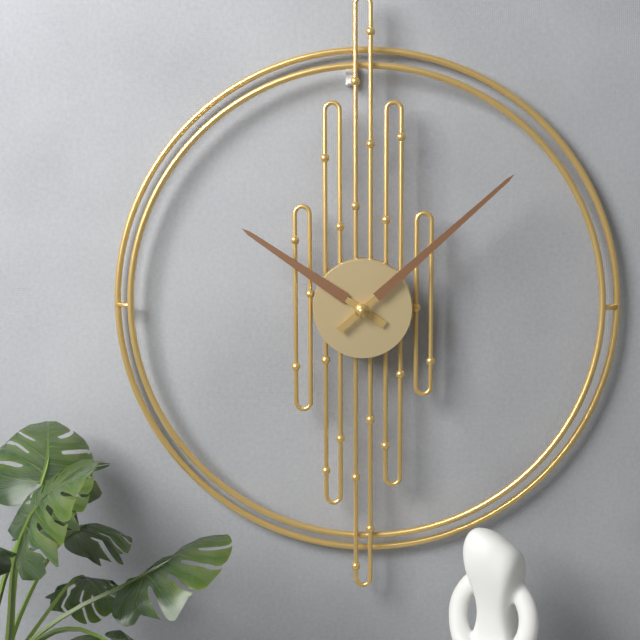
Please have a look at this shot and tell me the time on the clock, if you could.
10:08
